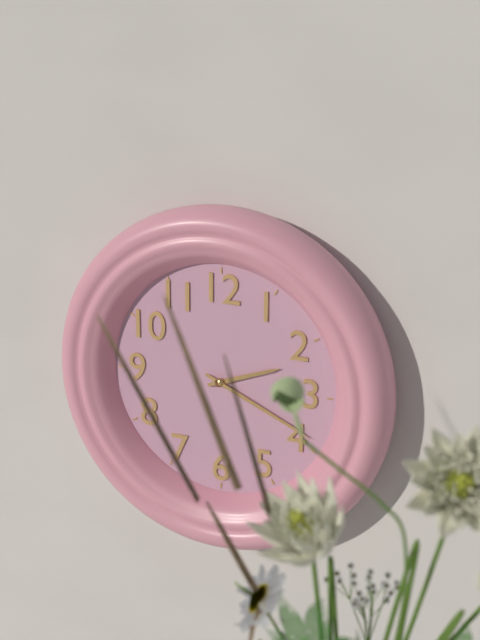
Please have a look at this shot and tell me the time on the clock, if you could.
2:19
